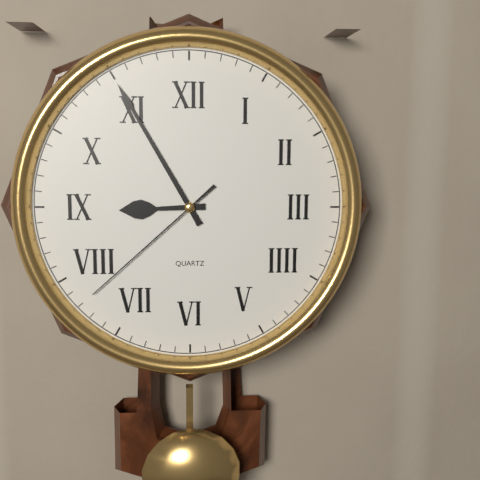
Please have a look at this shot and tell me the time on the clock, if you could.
8:55:38
